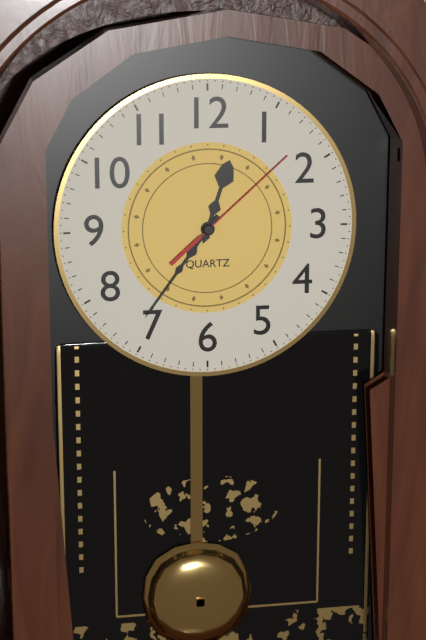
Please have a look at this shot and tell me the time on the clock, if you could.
12:36:08
